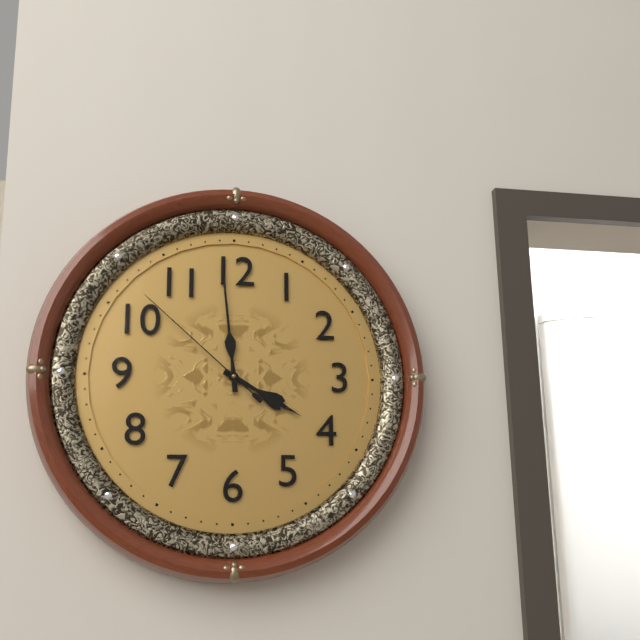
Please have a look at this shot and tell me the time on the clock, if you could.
3:59:52
